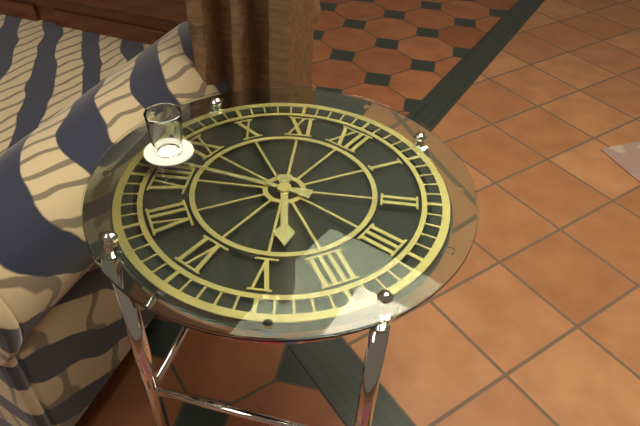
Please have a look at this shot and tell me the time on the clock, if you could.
4:42
